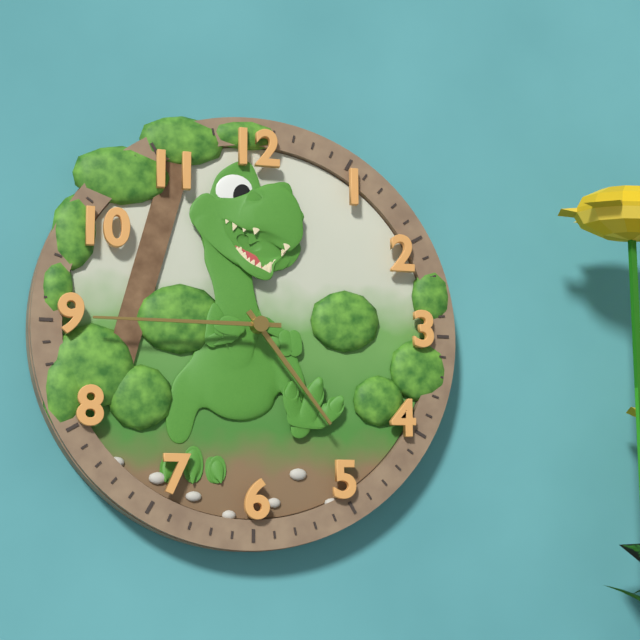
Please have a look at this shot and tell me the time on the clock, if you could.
4:45
